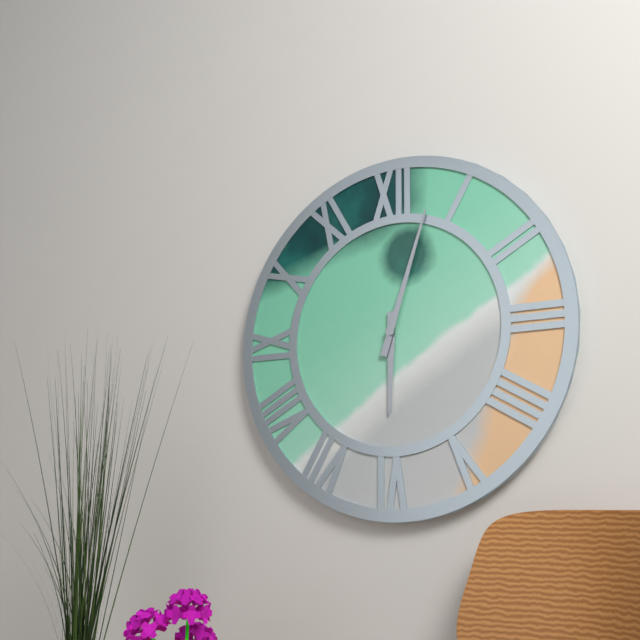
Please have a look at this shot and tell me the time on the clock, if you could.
6:03
